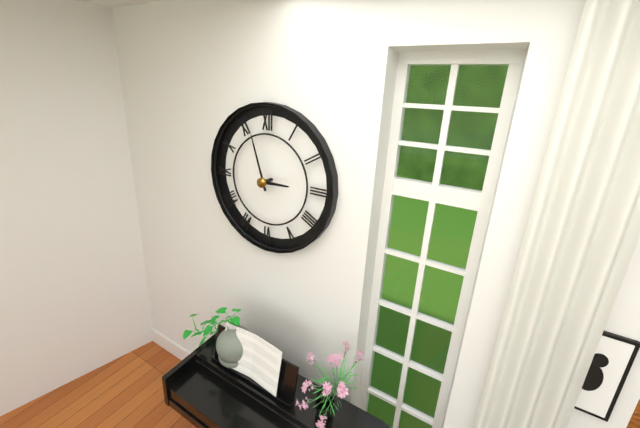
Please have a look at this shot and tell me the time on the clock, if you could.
2:57
